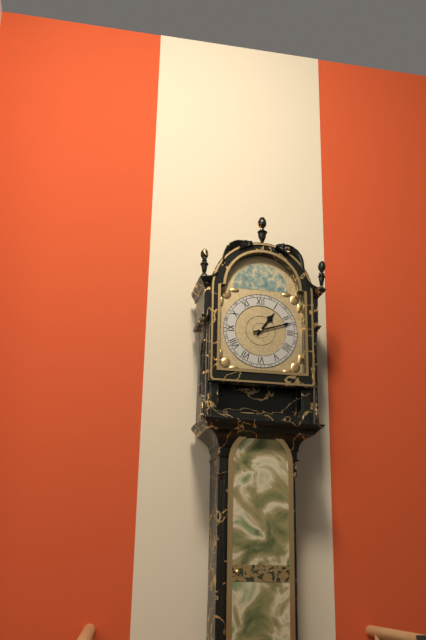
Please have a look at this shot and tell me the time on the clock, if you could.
1:12
